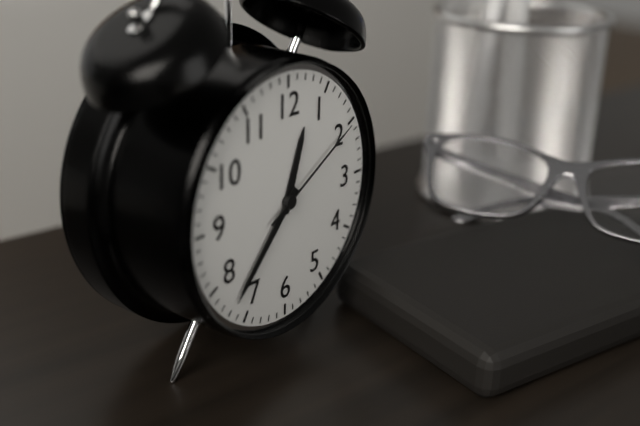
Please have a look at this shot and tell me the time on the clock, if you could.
12:37:10
